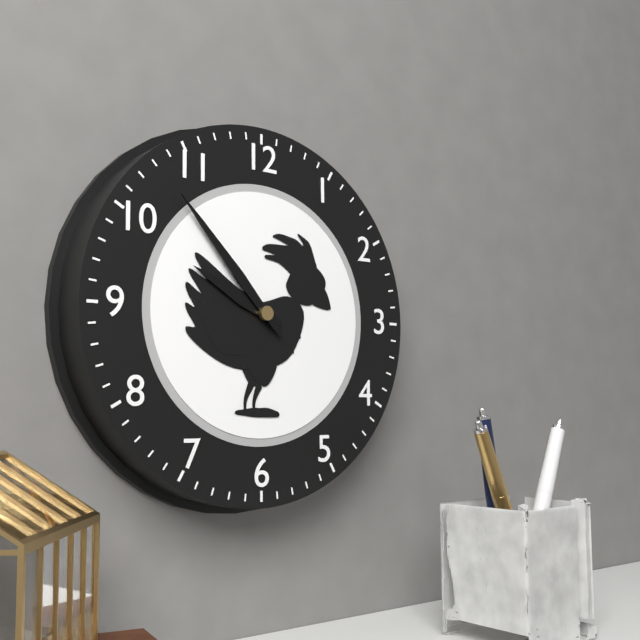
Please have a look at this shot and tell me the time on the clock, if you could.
9:53
